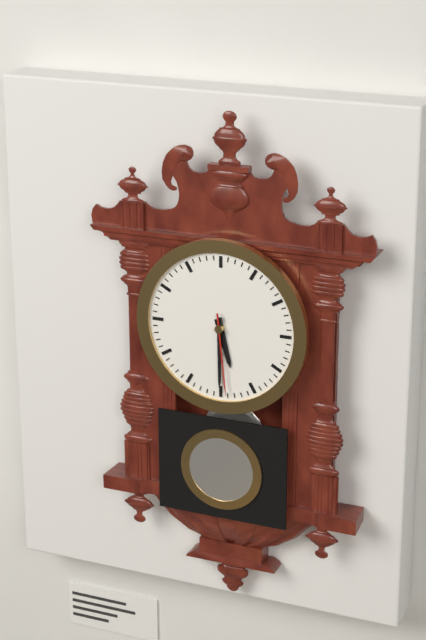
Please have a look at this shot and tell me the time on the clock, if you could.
5:30:29
